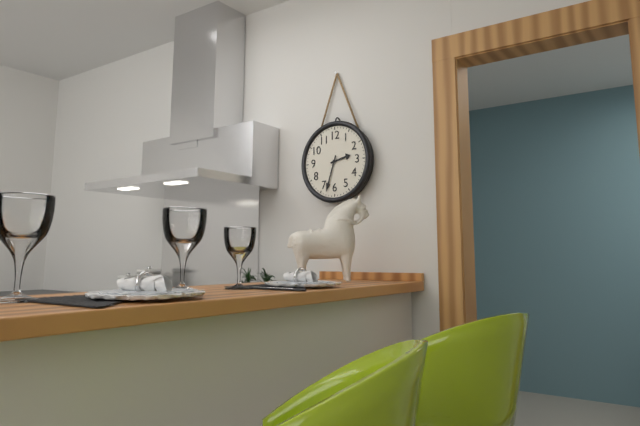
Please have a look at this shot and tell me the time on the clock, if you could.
2:33
